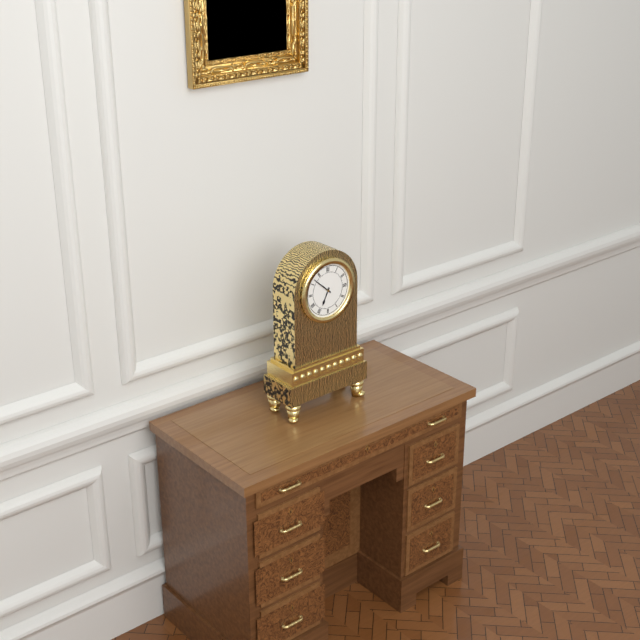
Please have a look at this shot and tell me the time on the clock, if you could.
6:52
